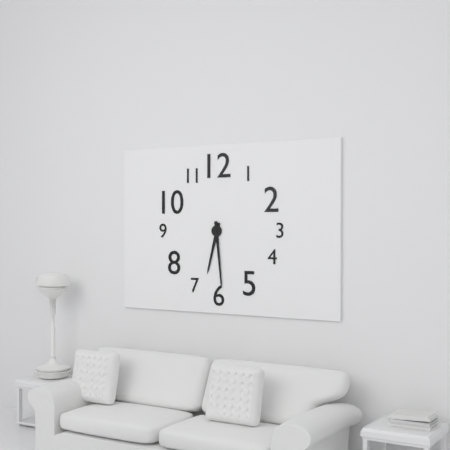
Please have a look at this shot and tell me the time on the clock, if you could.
6:29
